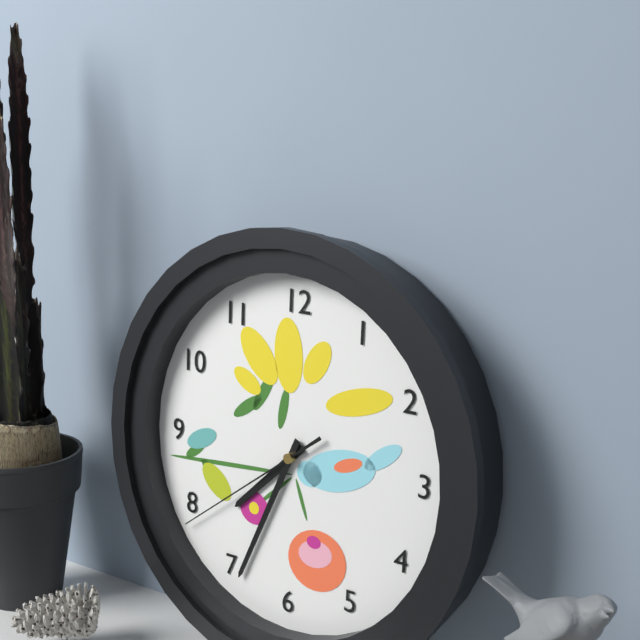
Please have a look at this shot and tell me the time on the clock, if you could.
7:34:39
